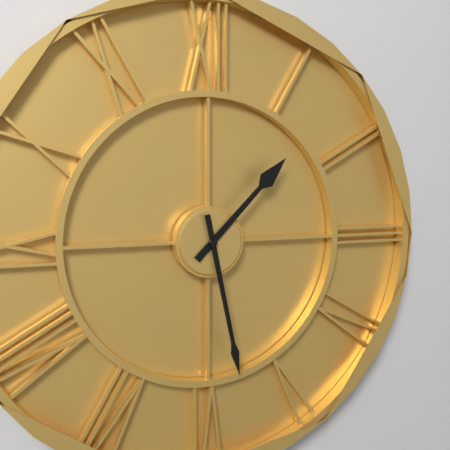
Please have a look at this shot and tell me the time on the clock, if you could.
1:28
